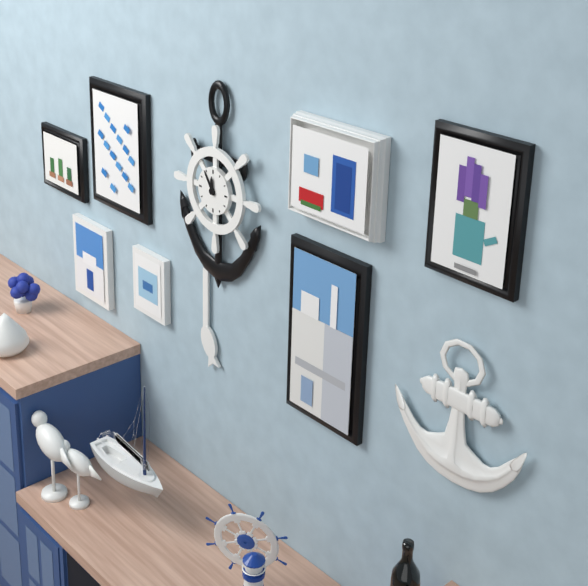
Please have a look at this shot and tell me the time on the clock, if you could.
11:54
